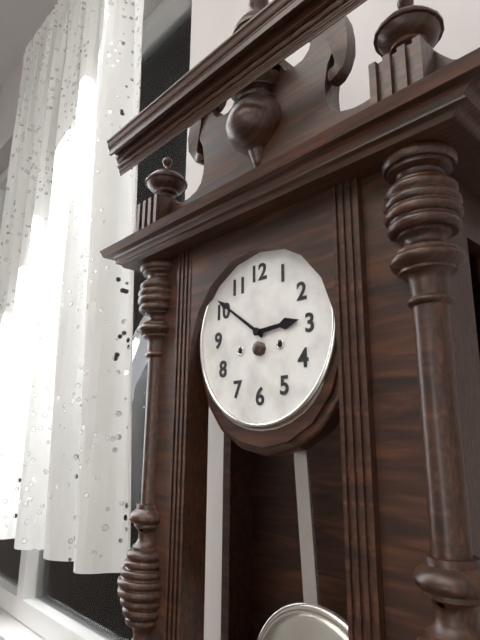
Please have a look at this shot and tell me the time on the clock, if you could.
2:51
